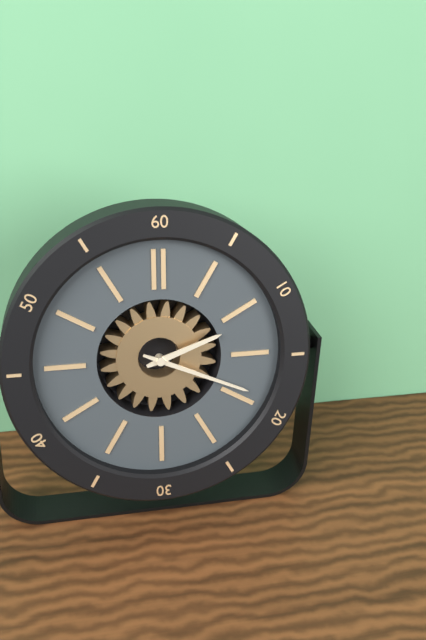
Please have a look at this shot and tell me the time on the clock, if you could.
2:19
